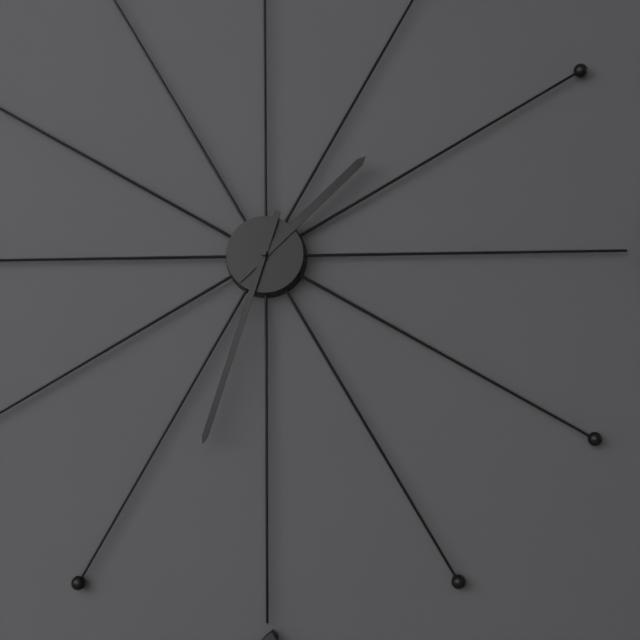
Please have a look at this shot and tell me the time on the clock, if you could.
1:33
